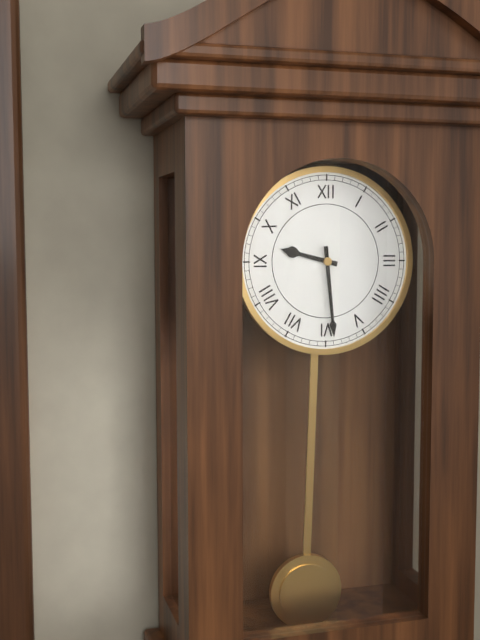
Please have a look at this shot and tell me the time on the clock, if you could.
9:29
